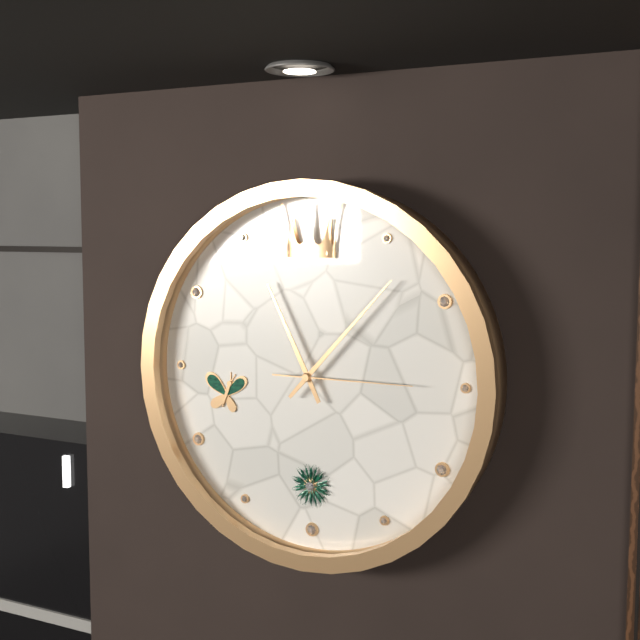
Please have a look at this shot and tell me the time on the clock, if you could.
11:07:15
